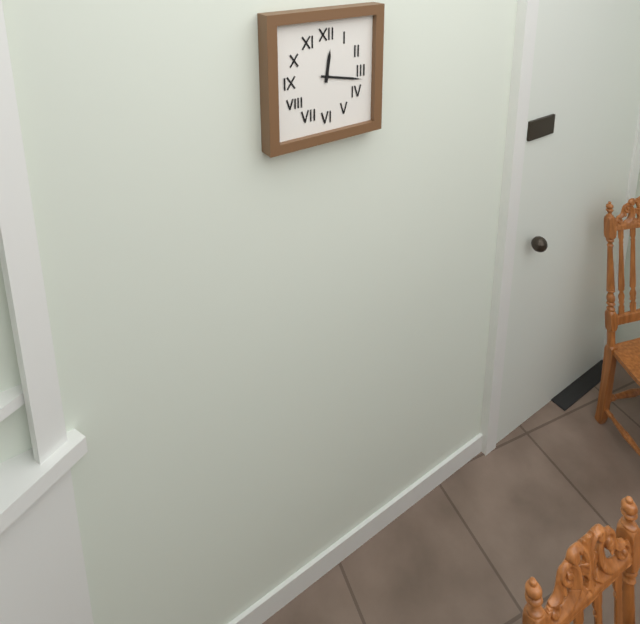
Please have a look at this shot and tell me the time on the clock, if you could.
12:17
